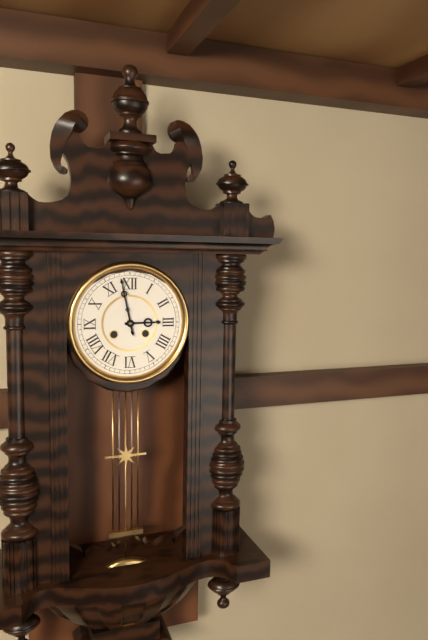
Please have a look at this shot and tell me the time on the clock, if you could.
2:58
